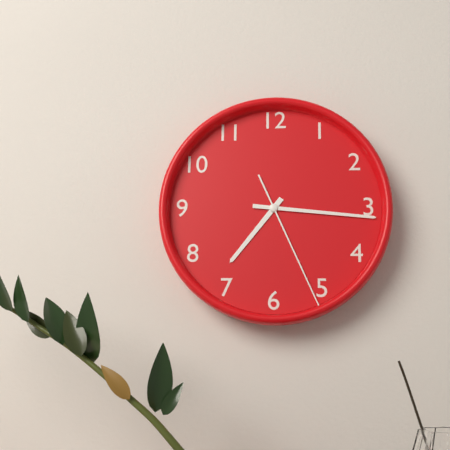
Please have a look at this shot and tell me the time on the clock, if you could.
7:16:26
